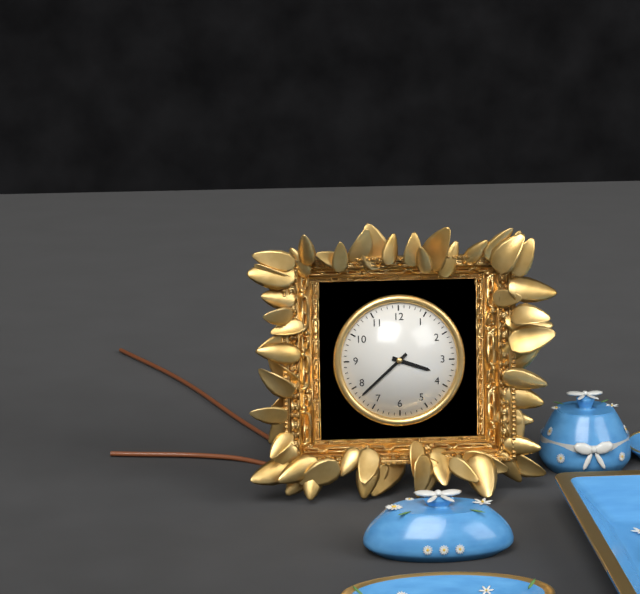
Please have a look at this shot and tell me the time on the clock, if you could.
3:38
